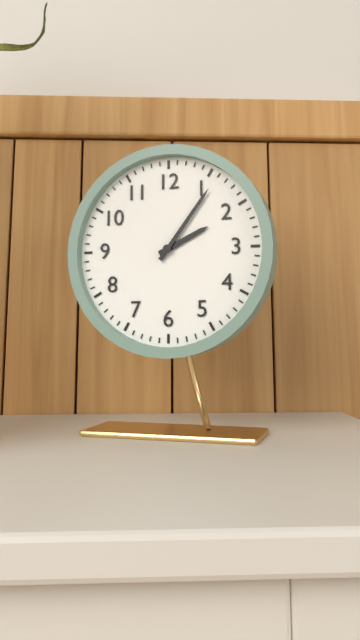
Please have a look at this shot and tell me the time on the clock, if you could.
2:06
